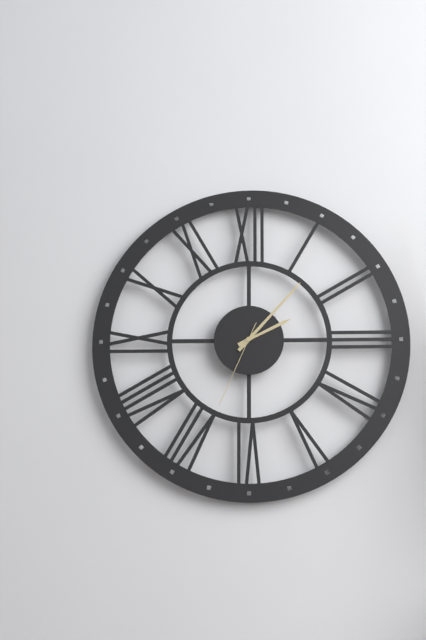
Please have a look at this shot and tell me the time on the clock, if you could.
2:07:34
